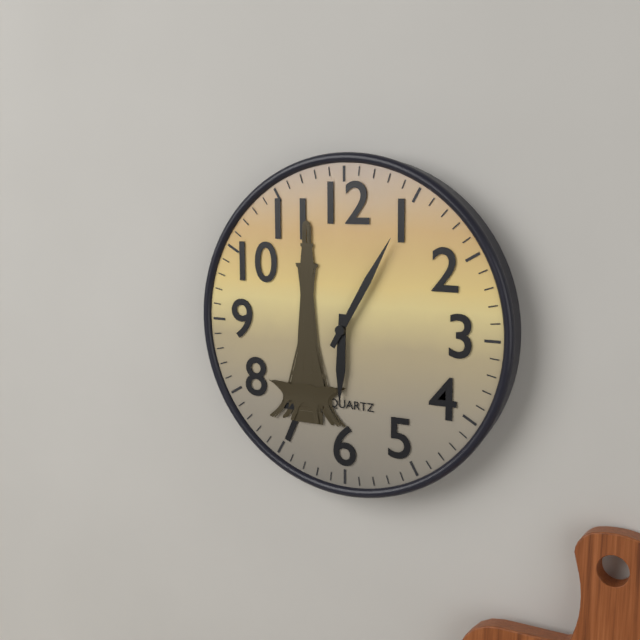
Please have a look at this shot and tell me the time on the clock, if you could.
6:05
